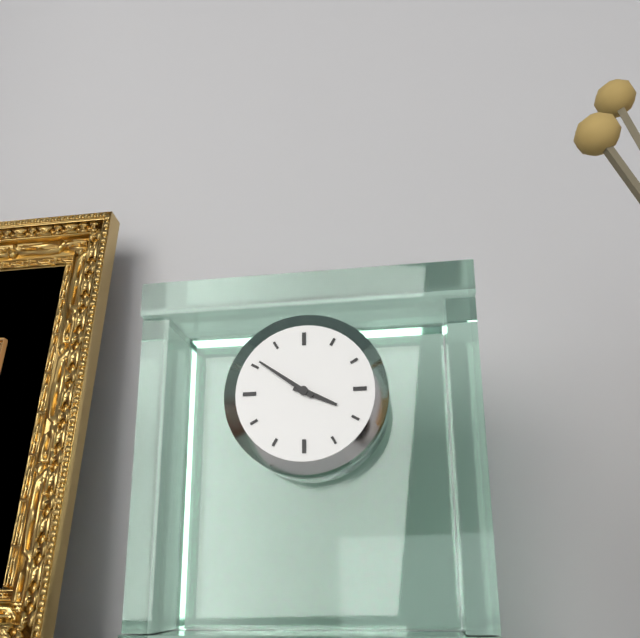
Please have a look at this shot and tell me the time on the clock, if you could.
3:51
